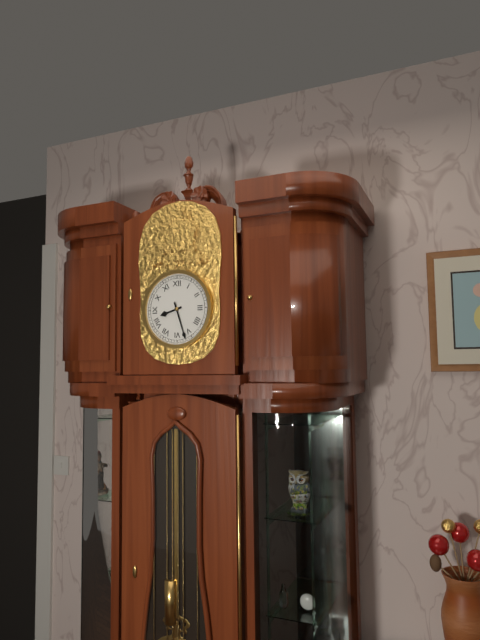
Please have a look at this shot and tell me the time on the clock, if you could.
8:27
